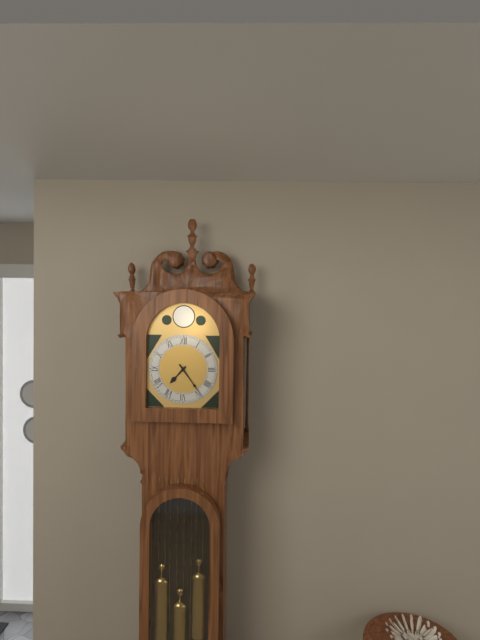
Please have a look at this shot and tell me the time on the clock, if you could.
7:24
